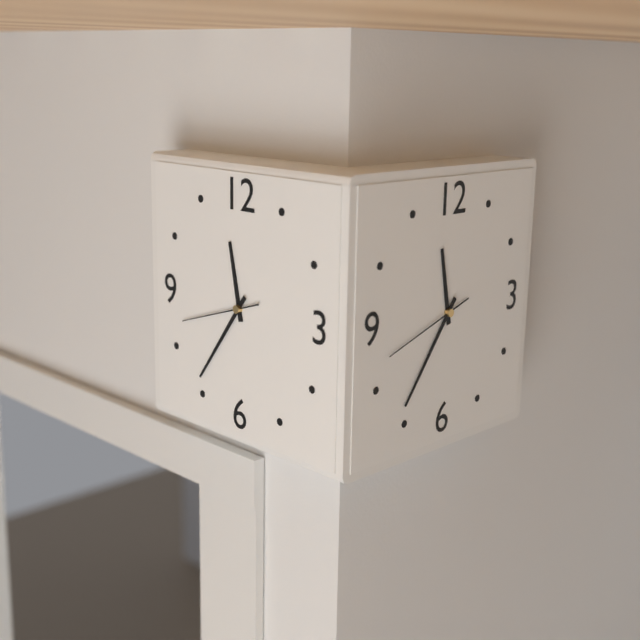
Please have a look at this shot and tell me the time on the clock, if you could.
11:36:42
